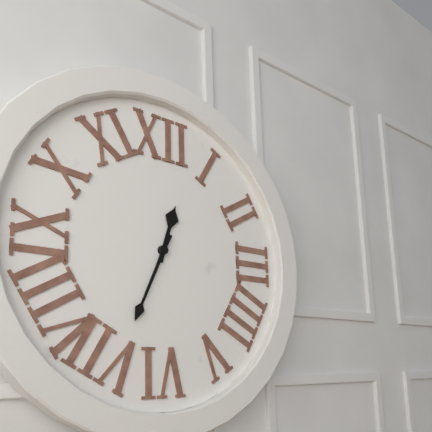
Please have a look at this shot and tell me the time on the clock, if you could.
12:34
